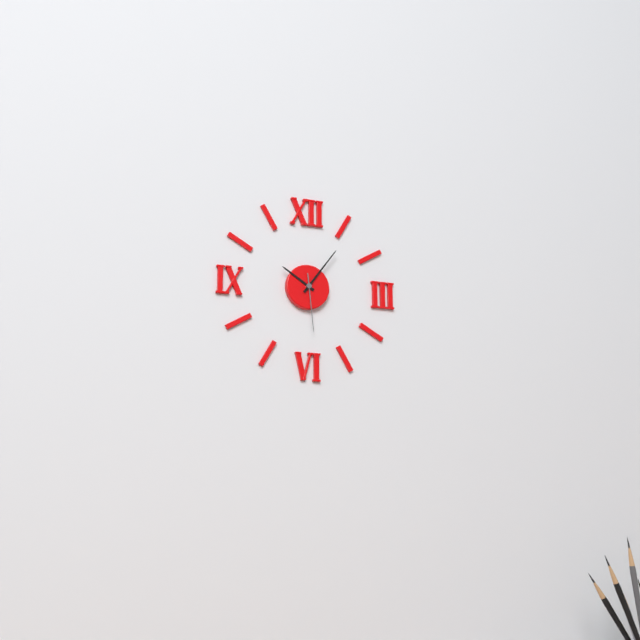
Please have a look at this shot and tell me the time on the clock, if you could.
10:06:29
